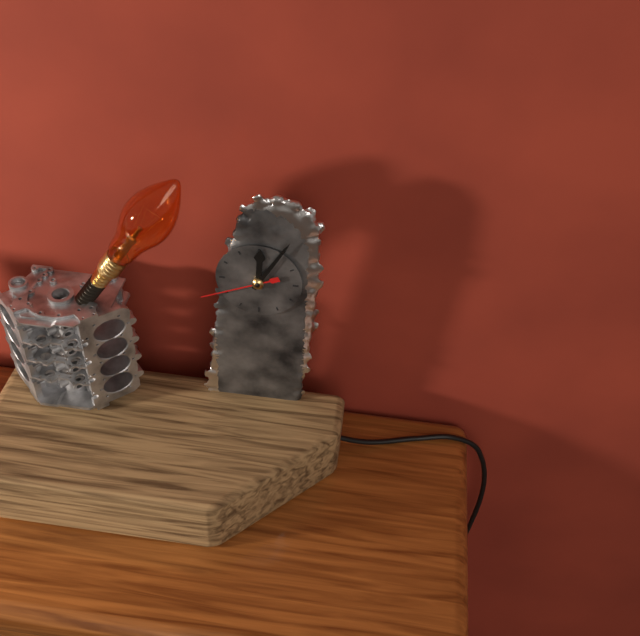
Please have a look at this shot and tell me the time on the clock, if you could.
12:05:41
